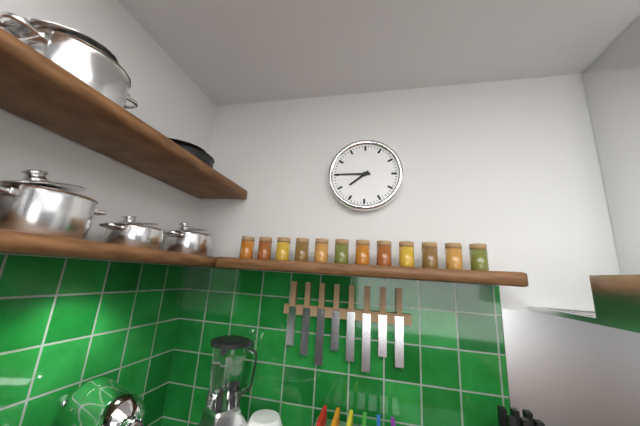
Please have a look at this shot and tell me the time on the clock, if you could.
7:45
